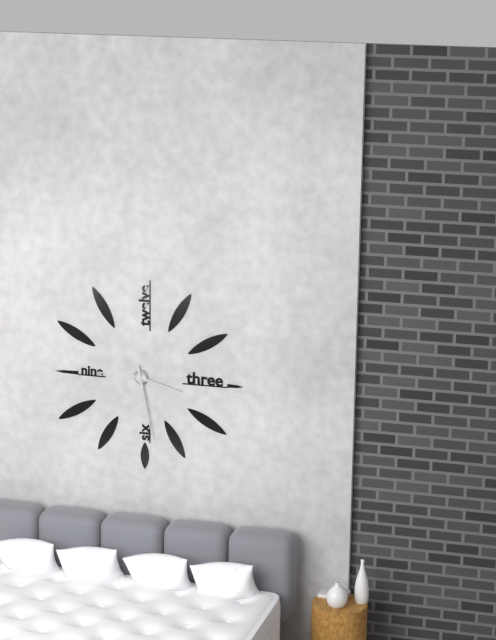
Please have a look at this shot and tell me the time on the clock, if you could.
3:28
